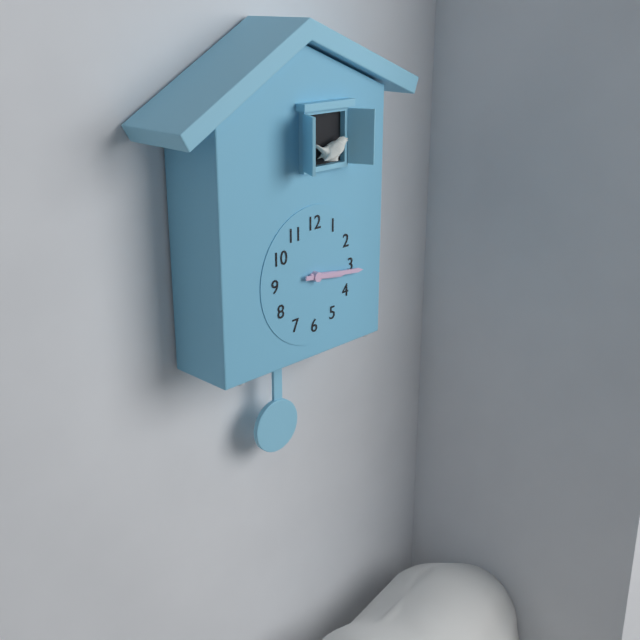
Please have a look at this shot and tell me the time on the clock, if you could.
3:16
